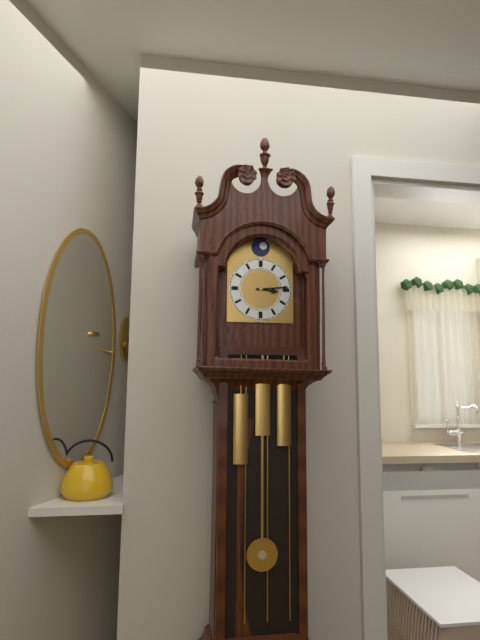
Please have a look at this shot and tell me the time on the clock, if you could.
3:14
